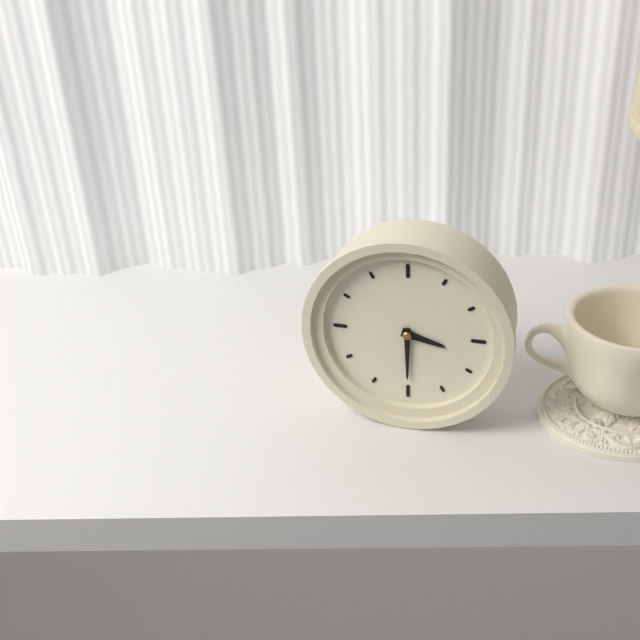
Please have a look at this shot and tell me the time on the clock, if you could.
3:30
